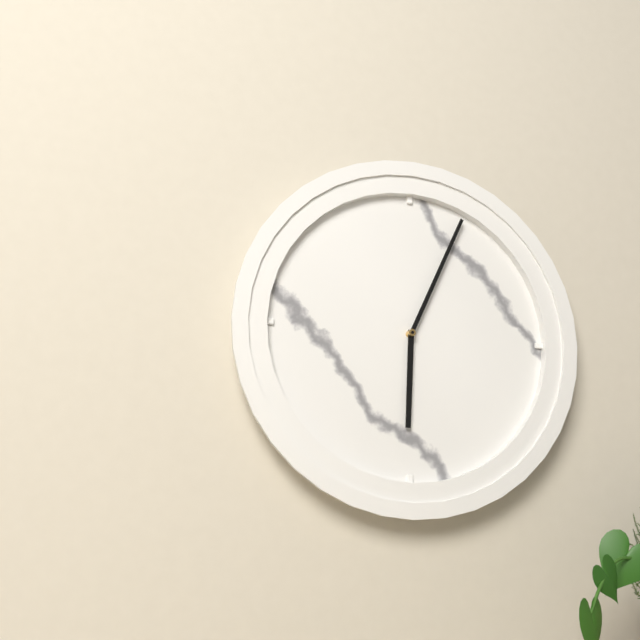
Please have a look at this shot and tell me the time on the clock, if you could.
6:04
